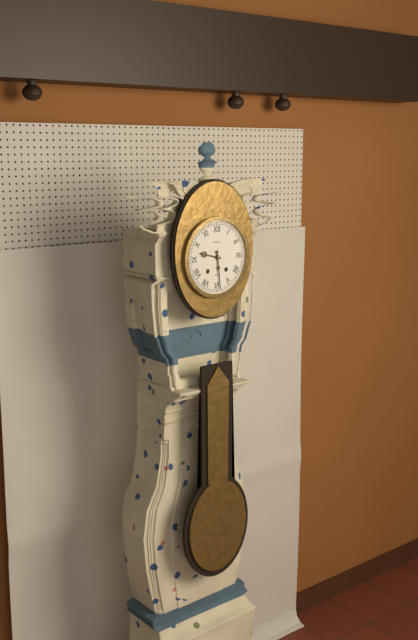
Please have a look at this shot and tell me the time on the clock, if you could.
9:29
